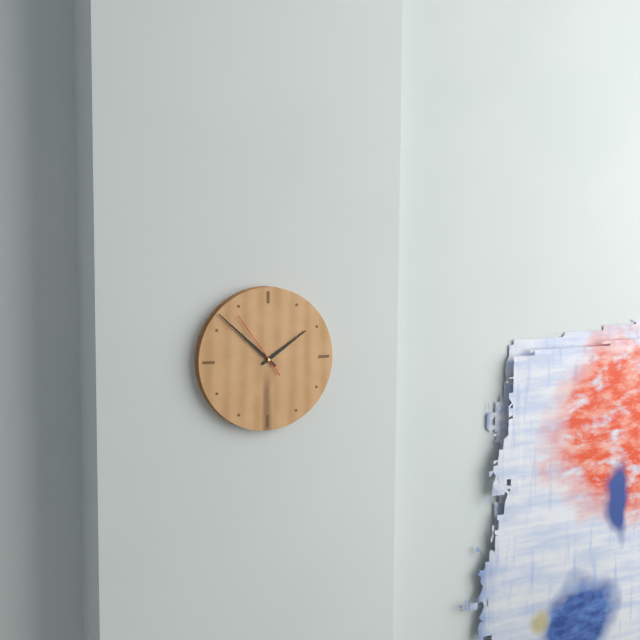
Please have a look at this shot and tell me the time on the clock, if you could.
1:52:54
